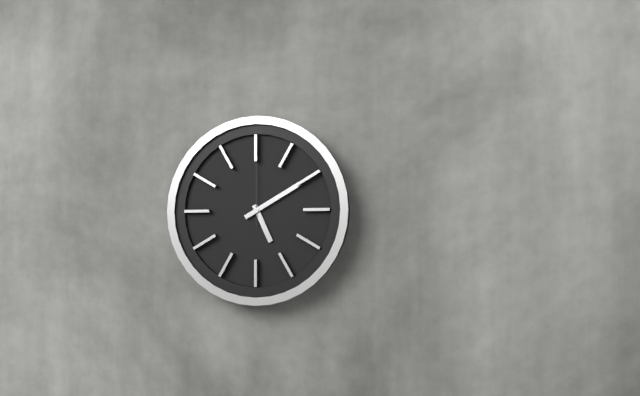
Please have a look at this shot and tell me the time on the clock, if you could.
5:10:00
